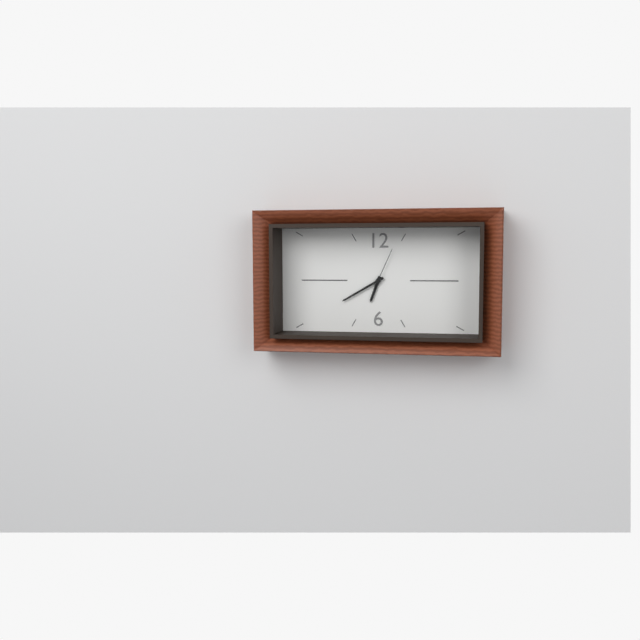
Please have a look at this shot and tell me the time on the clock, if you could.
6:40
